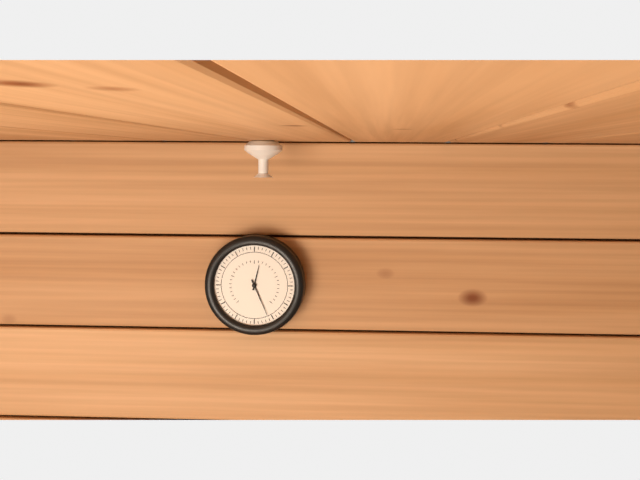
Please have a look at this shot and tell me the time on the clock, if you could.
12:26
